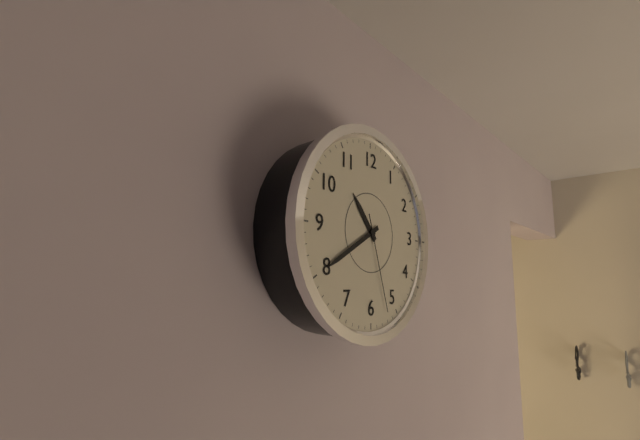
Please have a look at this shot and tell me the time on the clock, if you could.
10:40:27
